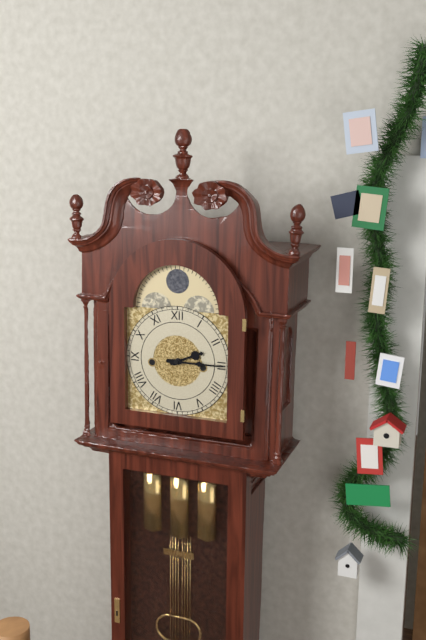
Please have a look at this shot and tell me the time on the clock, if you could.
2:15
